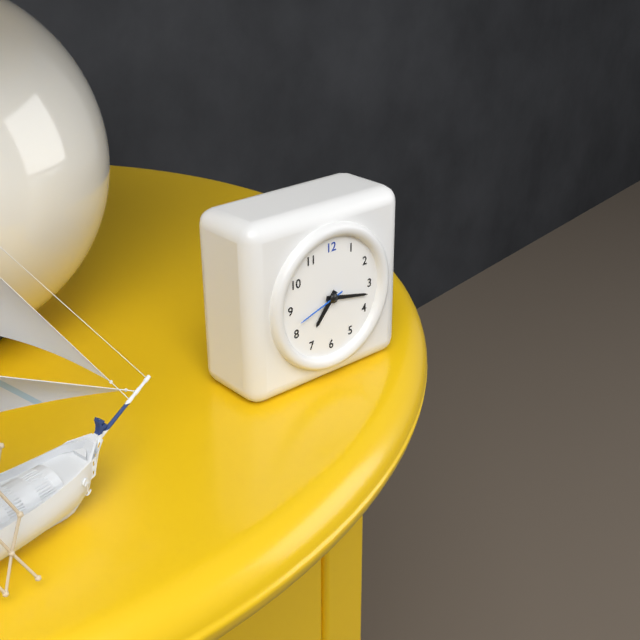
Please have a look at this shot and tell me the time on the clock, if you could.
7:17:42
